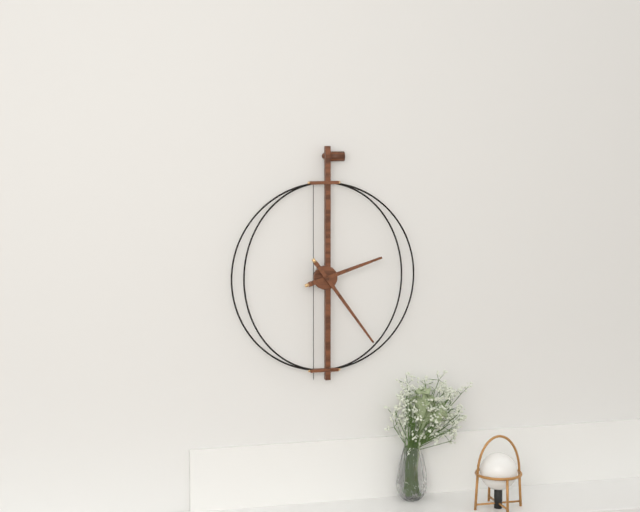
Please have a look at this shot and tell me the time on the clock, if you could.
2:24
